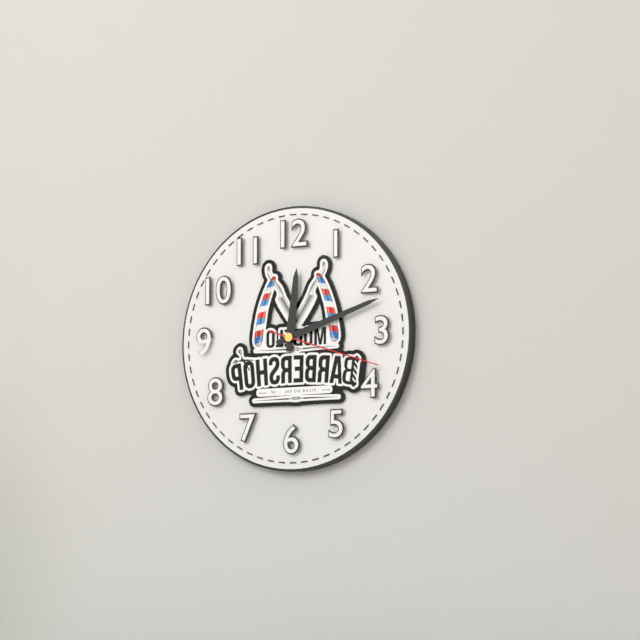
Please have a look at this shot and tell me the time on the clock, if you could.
12:12:18
